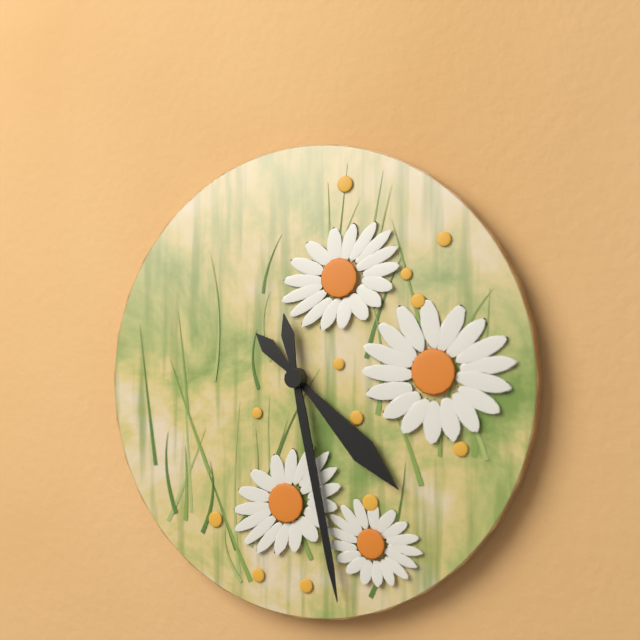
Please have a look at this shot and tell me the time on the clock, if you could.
4:28
